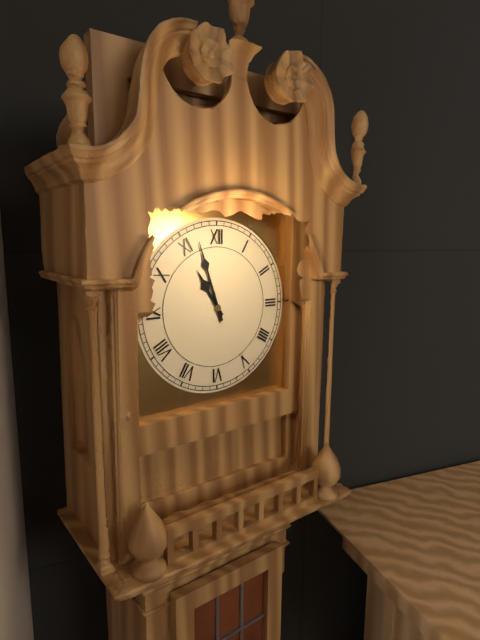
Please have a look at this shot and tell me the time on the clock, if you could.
10:57
